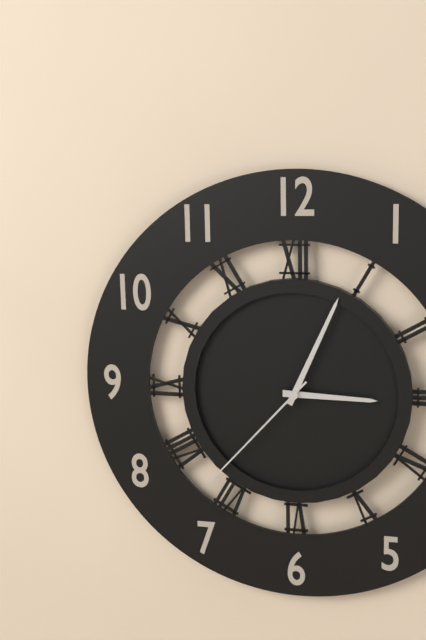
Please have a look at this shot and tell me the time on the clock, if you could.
3:04:37
